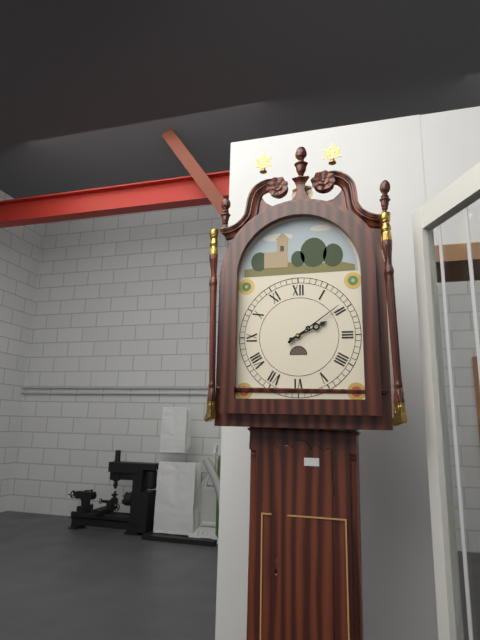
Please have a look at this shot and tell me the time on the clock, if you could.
2:09
